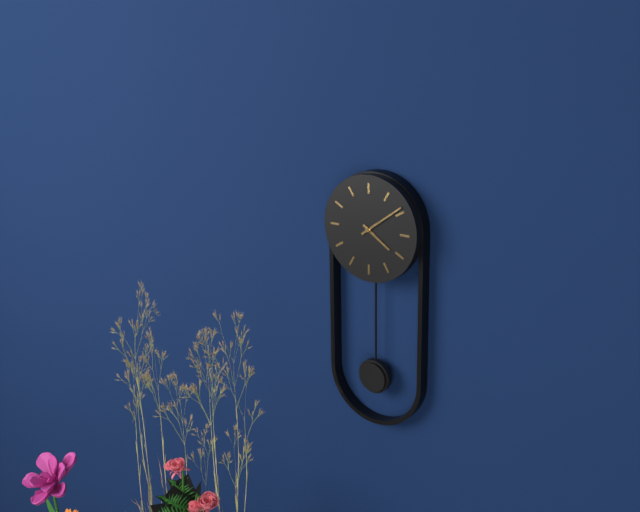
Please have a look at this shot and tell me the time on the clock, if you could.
4:09
